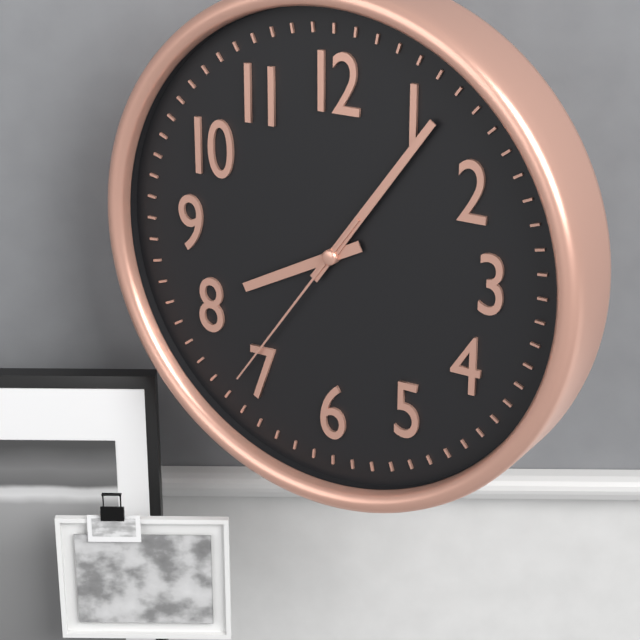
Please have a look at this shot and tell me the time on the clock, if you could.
8:06:36
